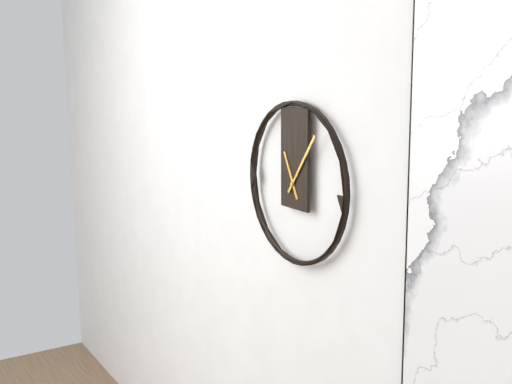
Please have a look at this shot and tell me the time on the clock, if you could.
11:06
